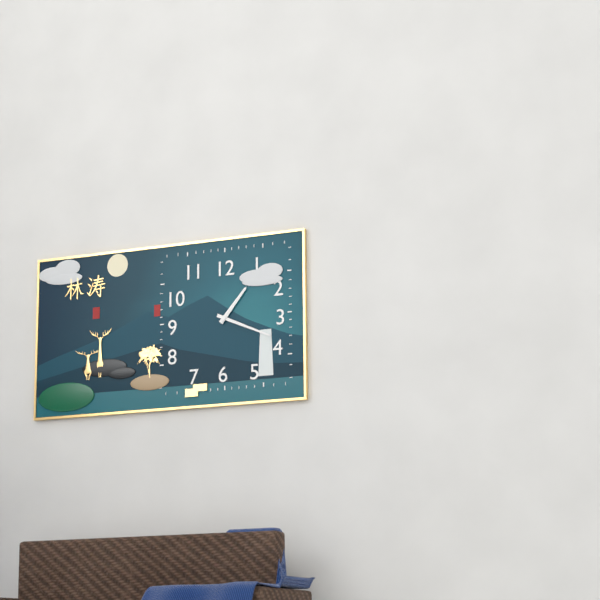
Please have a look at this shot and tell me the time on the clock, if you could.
1:19
